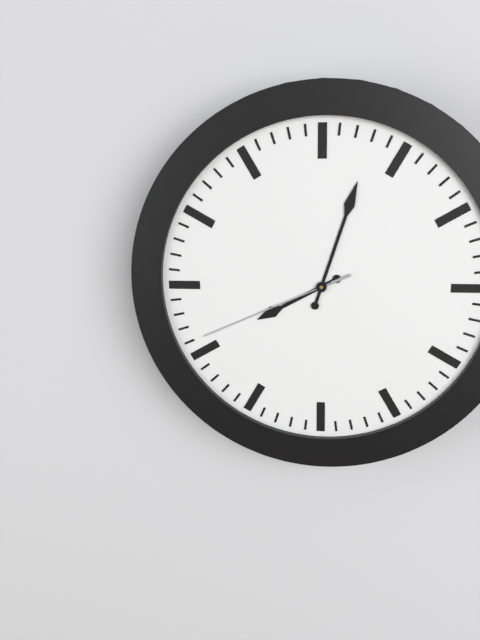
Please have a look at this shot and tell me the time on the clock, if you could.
8:03:41
